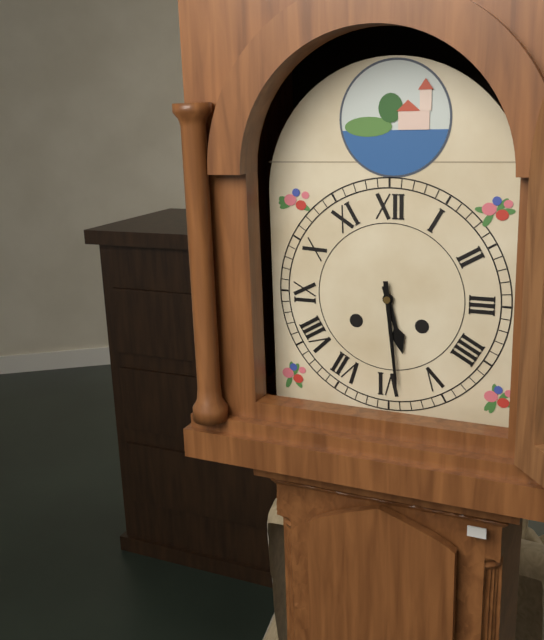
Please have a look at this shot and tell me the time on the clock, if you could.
5:29
